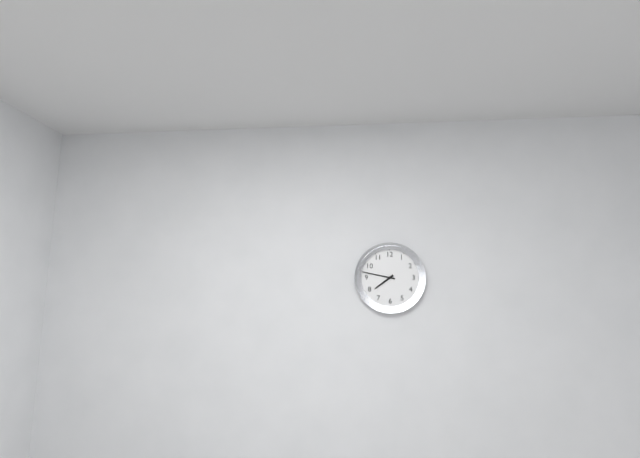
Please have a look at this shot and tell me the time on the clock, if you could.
7:47
